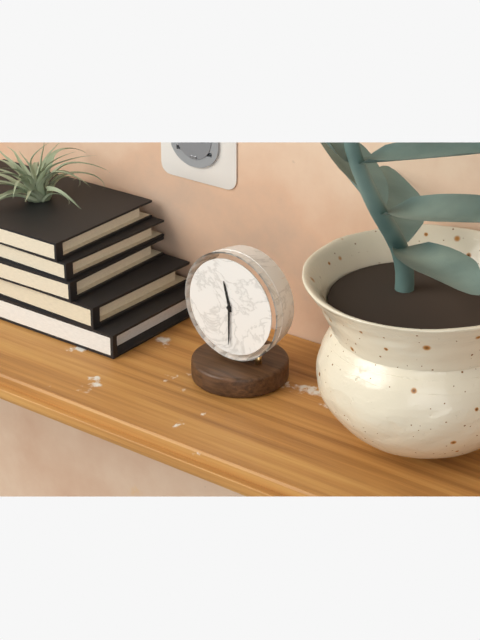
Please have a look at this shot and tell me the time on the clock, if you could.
11:30
